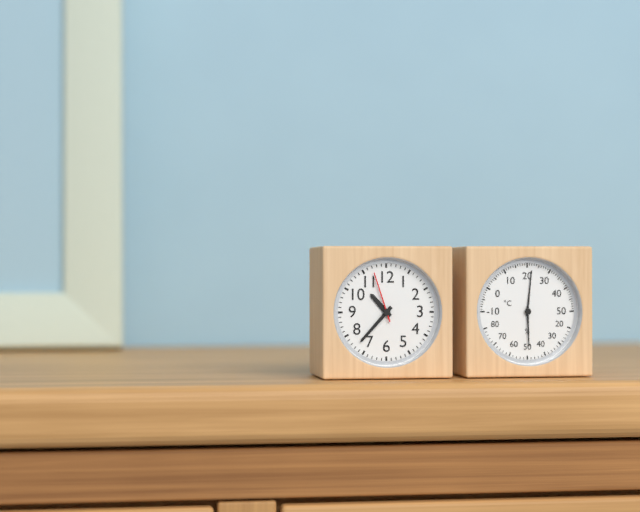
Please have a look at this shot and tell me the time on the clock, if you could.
10:37:57
